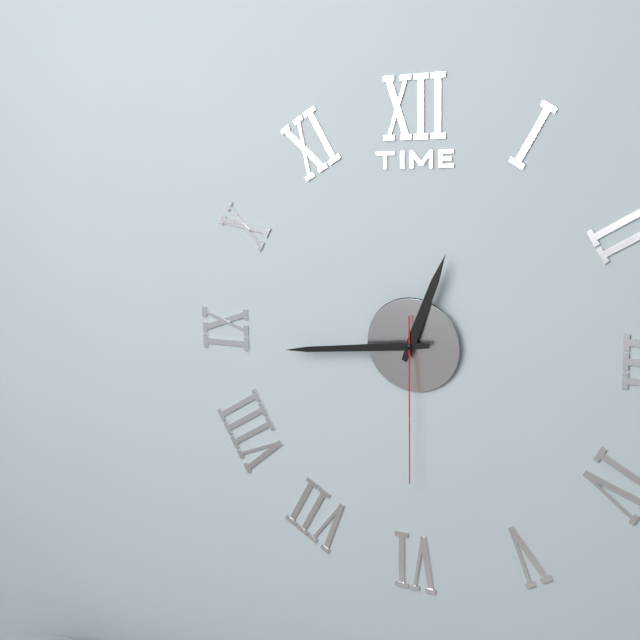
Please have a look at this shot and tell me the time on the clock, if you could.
12:44:30
